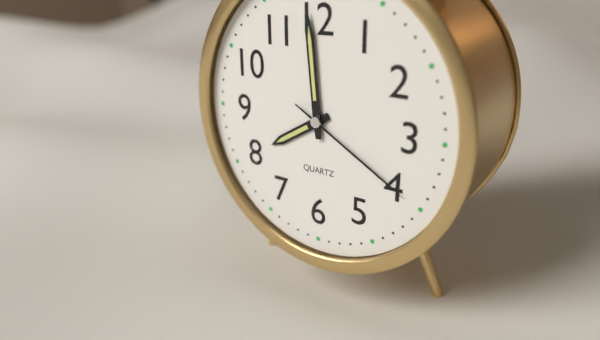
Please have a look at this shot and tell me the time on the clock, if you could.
7:59:20
